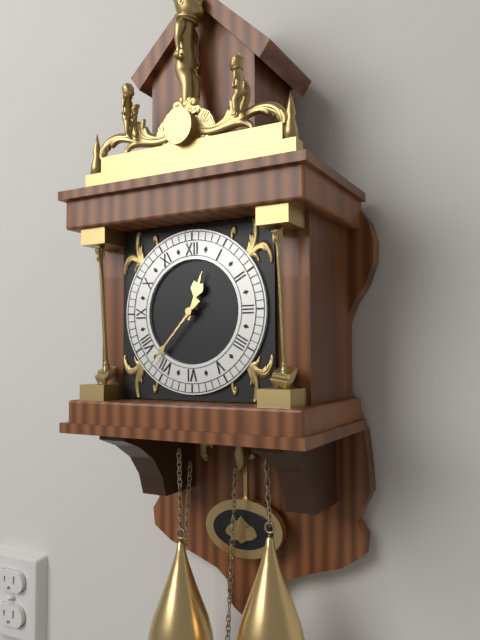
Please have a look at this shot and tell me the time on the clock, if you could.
12:37
